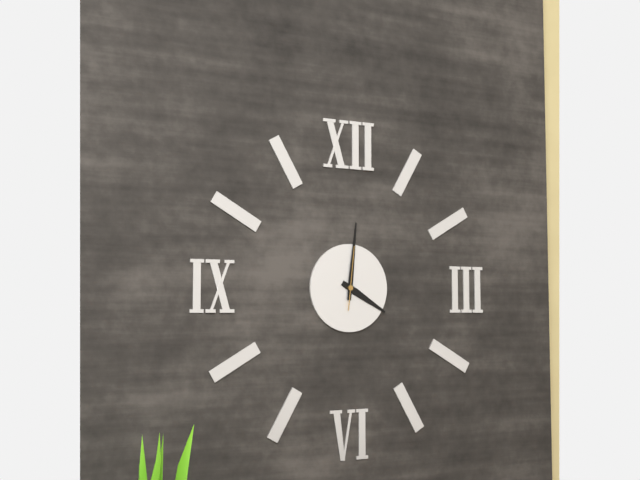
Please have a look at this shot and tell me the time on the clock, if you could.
4:01:01
